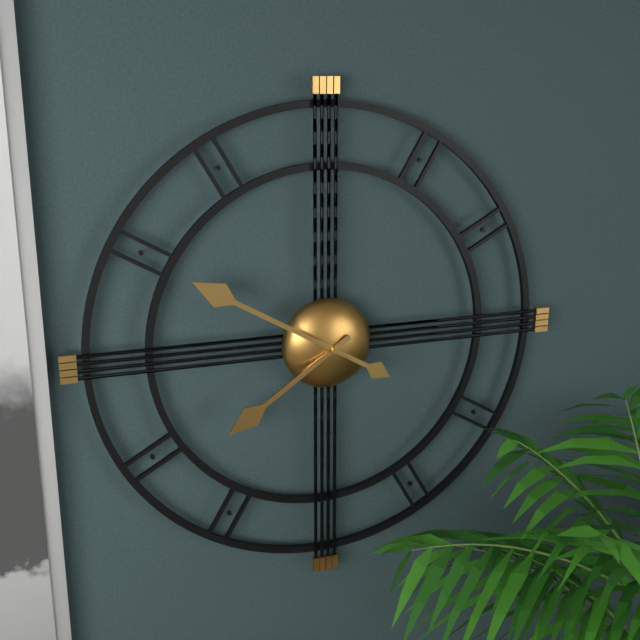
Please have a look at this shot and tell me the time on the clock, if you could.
7:50
